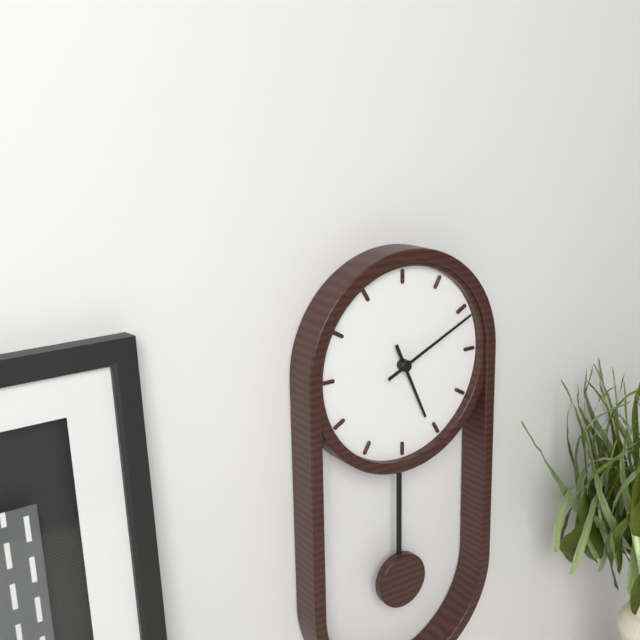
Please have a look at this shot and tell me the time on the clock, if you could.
5:11
